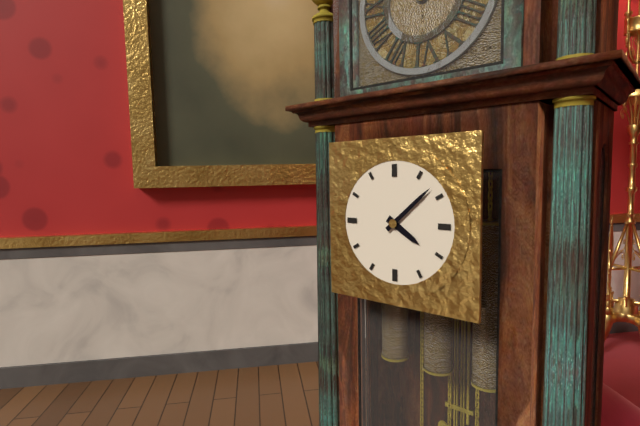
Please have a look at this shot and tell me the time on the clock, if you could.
4:08
